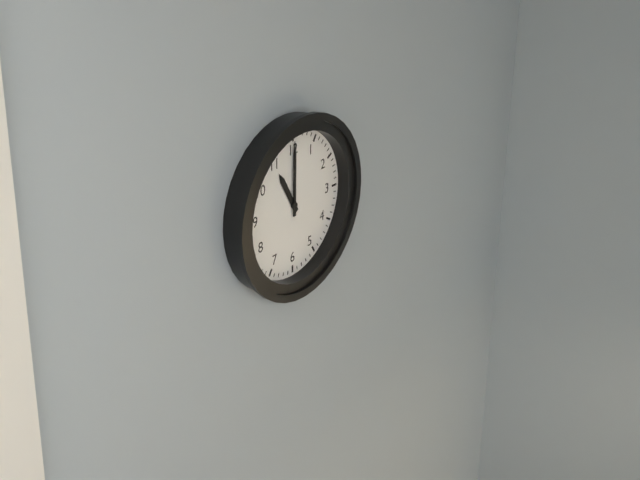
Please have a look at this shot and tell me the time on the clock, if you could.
11:00
